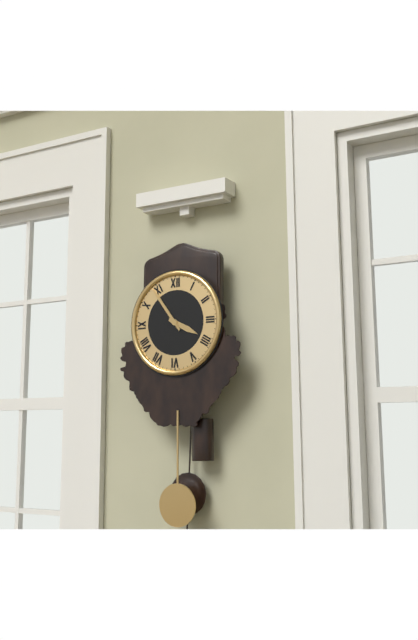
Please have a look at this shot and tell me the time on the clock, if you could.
3:54
